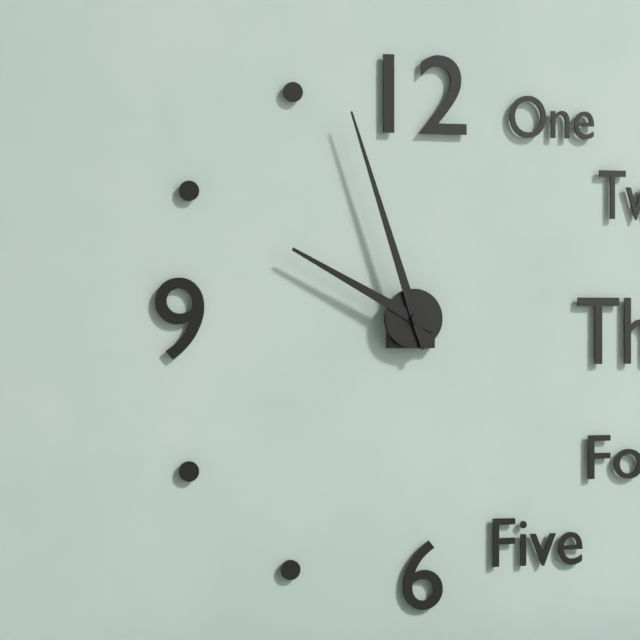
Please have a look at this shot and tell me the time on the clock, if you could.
9:57
